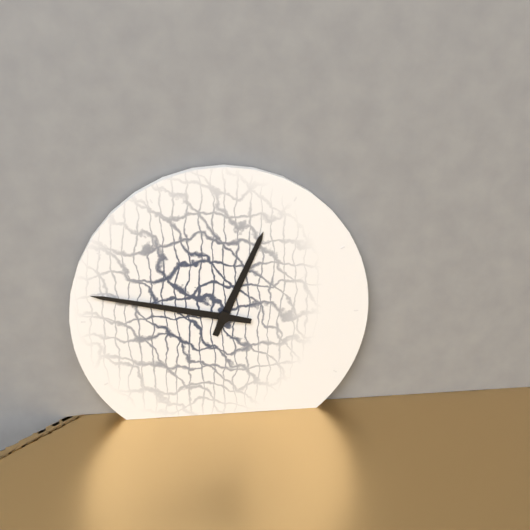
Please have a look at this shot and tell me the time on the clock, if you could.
12:47
